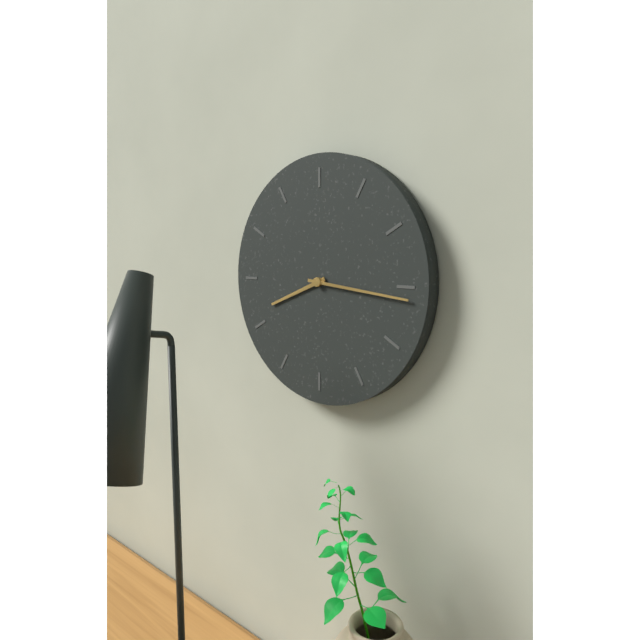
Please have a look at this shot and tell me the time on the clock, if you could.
8:16
